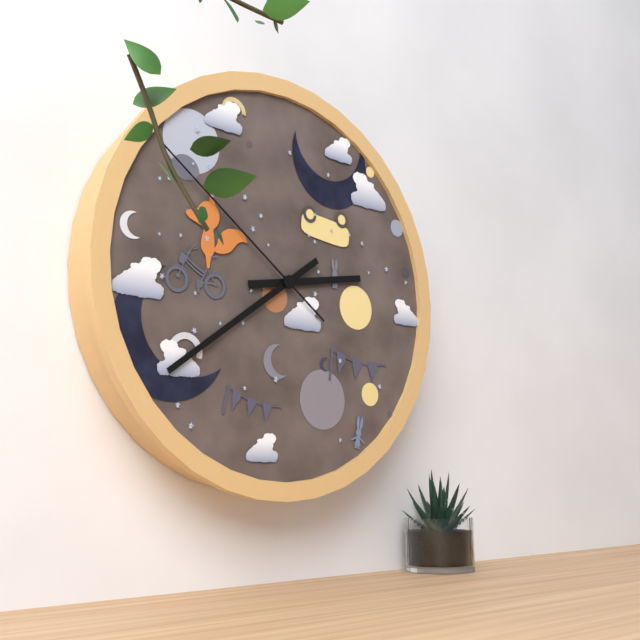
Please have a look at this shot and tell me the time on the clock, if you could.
2:39:51
